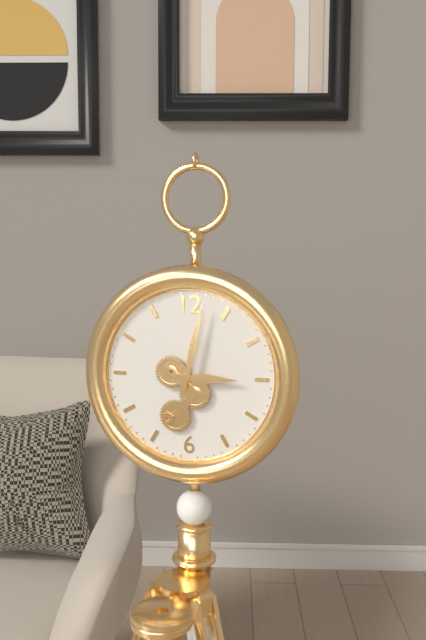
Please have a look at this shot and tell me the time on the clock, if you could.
3:02
